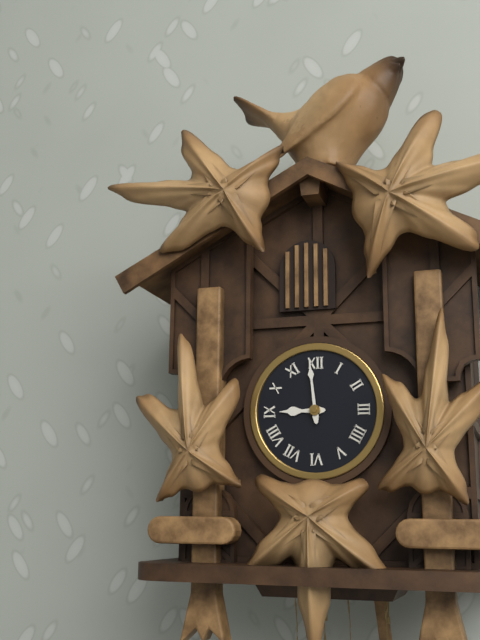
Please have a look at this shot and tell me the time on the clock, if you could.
8:59
